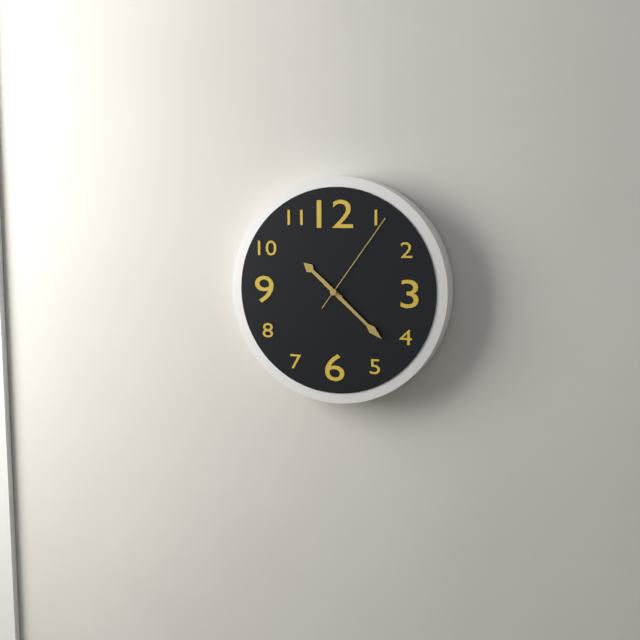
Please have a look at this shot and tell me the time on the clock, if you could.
10:22:06
